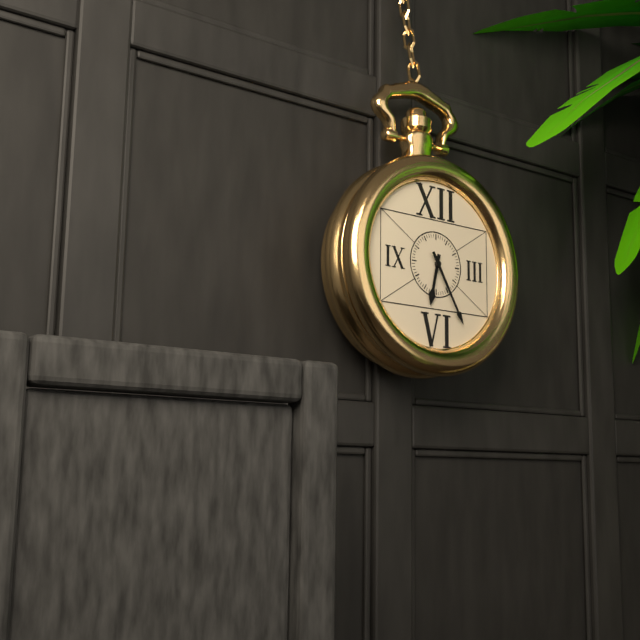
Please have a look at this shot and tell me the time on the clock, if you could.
6:25
